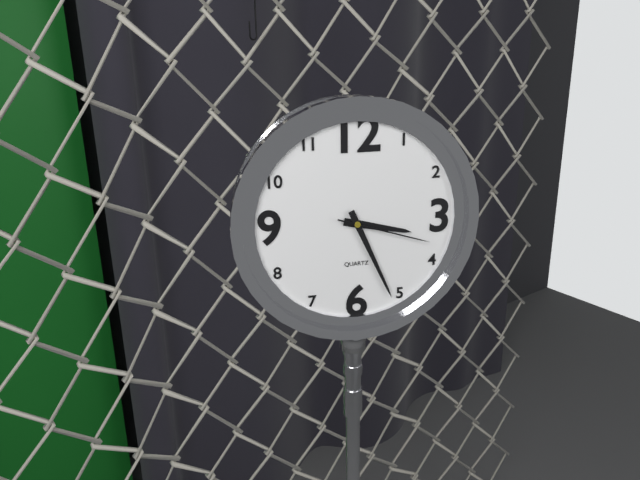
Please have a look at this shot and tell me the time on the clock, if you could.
3:26:18
